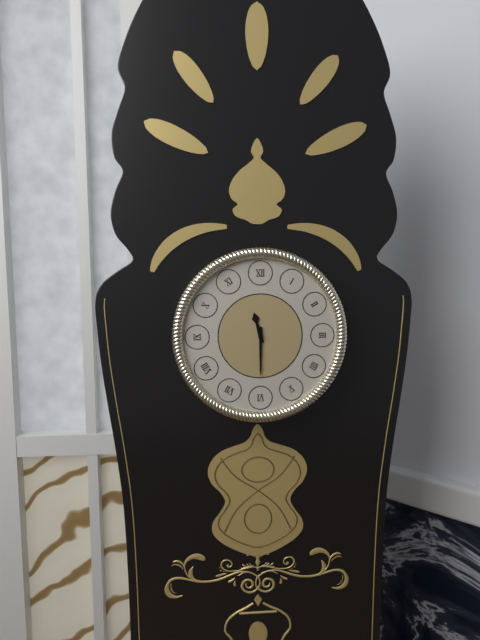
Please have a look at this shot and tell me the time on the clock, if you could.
11:30
